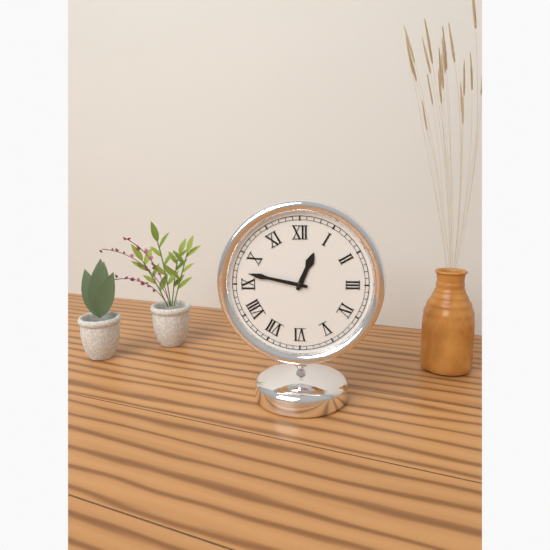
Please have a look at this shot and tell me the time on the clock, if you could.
12:47
